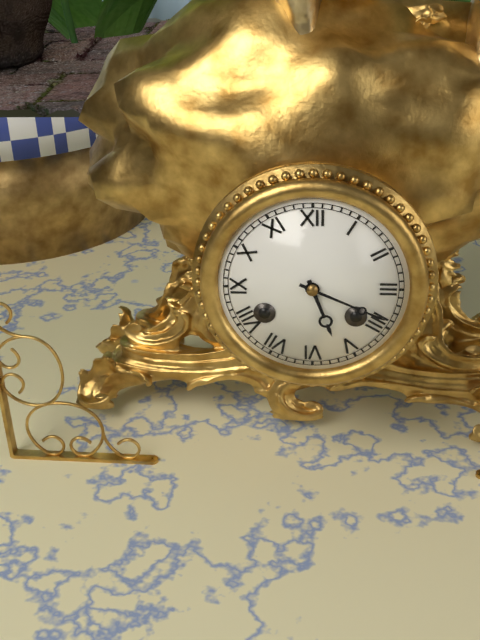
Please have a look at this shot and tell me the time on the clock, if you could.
5:19
